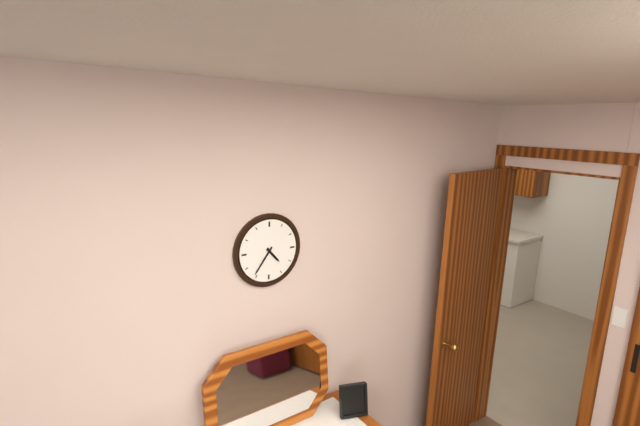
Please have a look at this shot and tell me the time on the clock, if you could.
4:36
